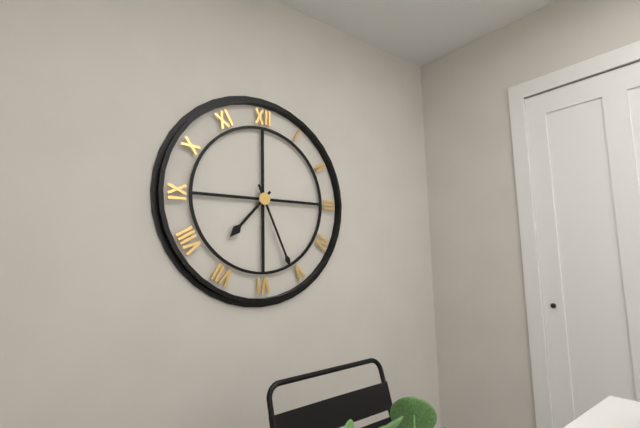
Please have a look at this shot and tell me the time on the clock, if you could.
7:26
